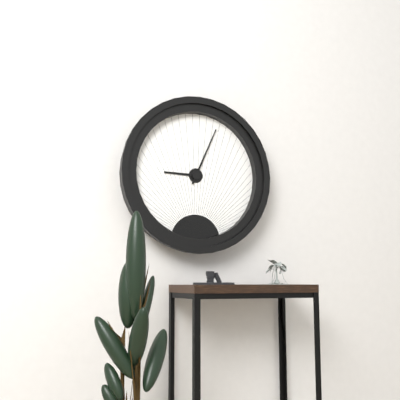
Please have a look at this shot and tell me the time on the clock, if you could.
9:04
